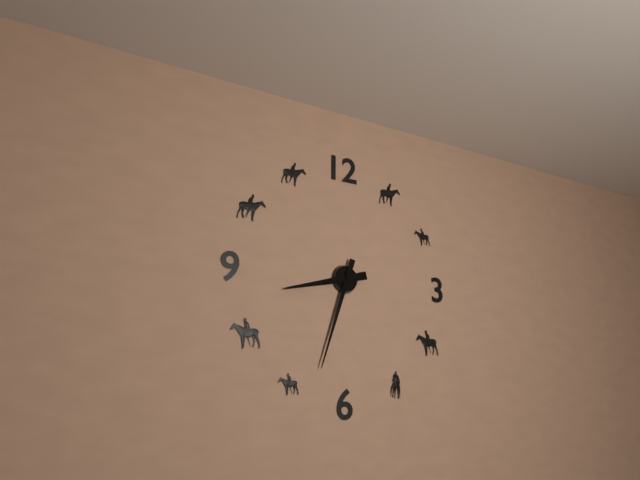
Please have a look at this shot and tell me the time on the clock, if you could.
8:33
